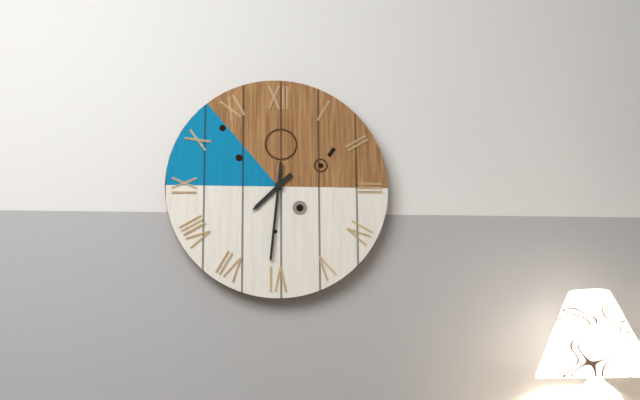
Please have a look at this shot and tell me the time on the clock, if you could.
7:31
